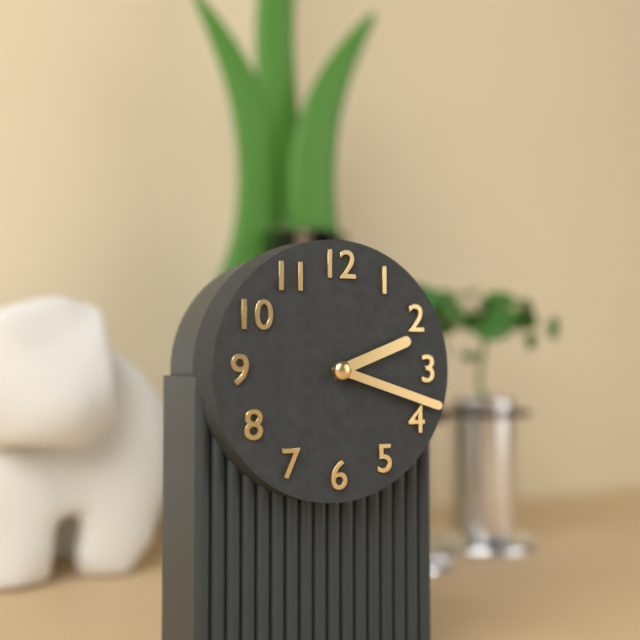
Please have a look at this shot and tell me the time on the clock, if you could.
2:18
